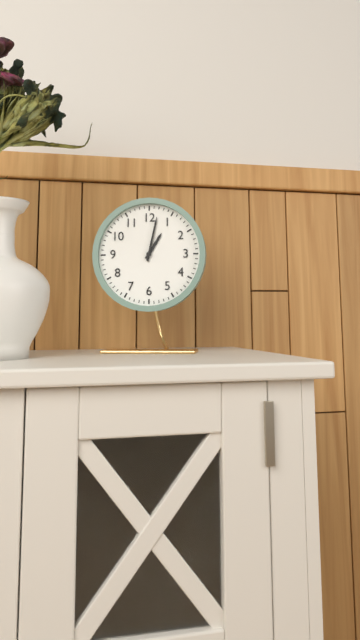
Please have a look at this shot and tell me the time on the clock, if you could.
1:02
